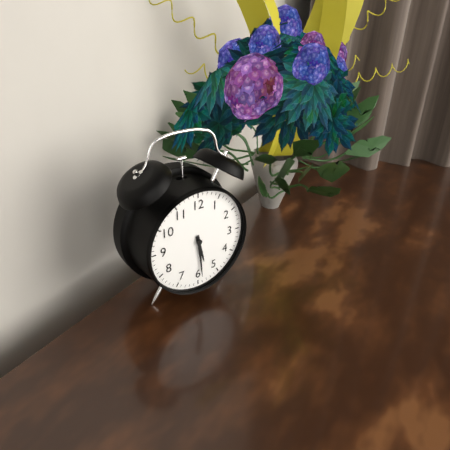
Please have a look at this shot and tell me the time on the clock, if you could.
5:29
